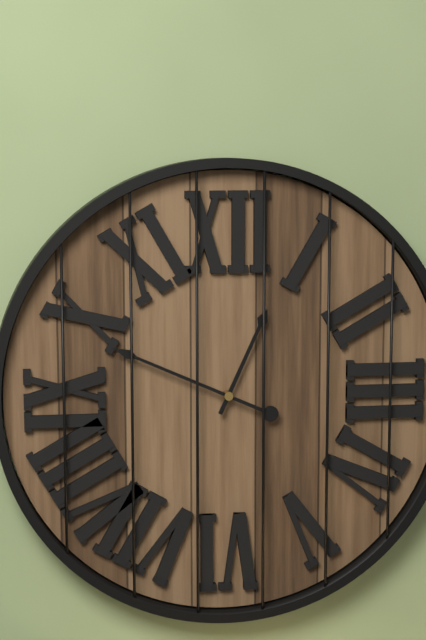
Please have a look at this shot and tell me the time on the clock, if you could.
12:49
